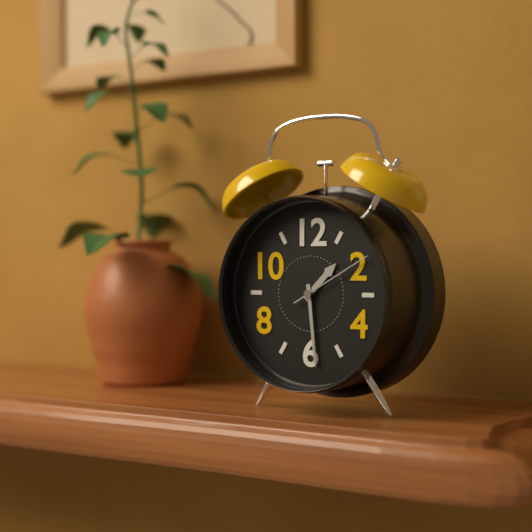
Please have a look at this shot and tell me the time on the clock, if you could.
1:29:10
